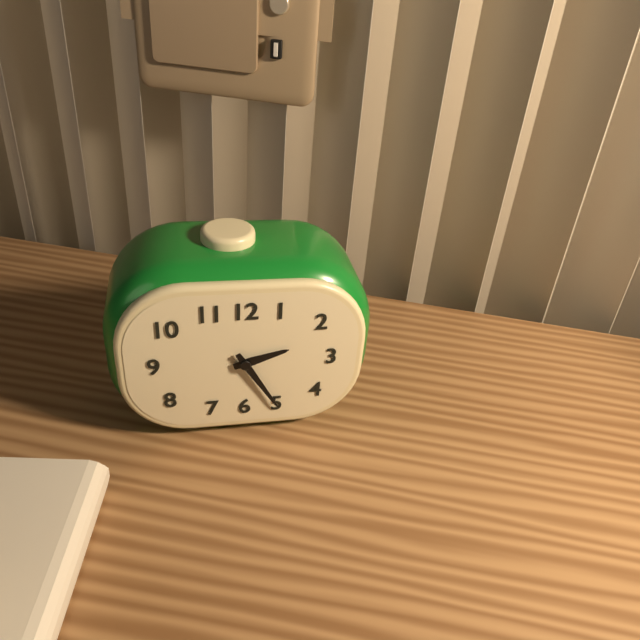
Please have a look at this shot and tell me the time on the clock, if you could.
2:25
